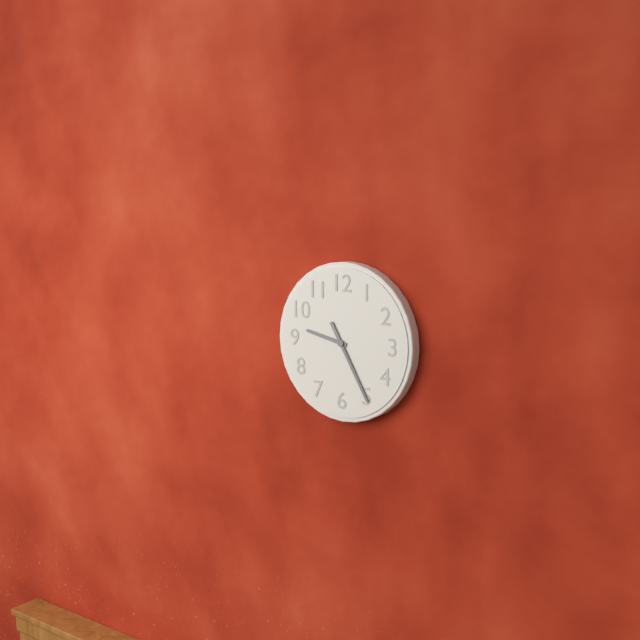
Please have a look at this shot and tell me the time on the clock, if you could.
9:25
